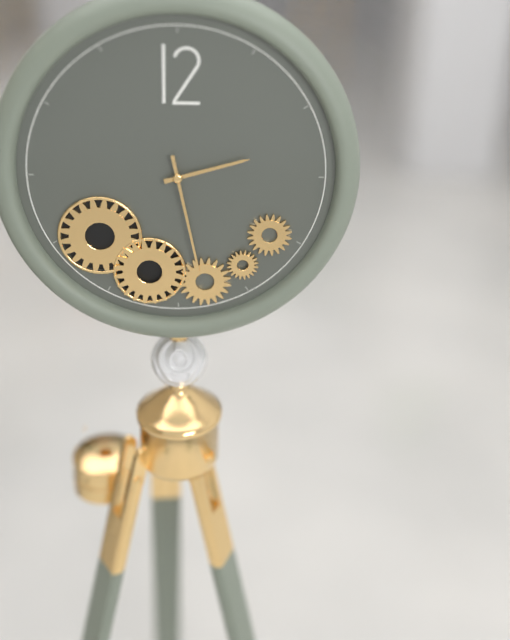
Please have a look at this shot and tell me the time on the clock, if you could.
2:28
